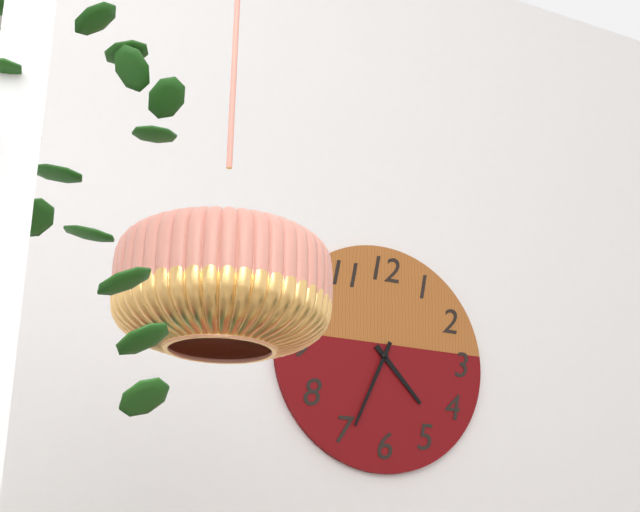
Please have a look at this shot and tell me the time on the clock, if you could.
4:34
